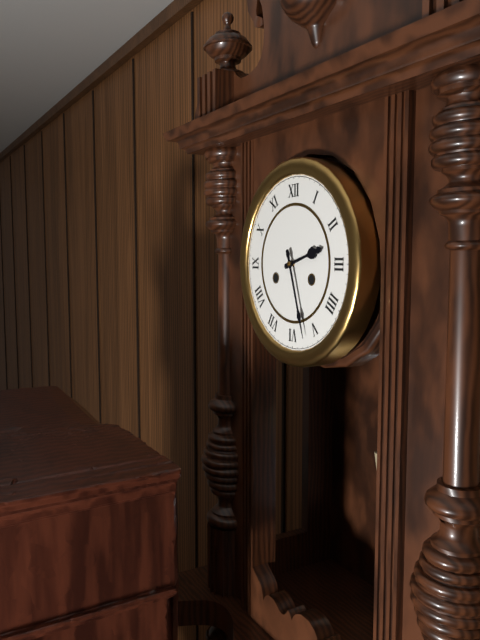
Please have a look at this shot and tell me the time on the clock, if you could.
2:27
